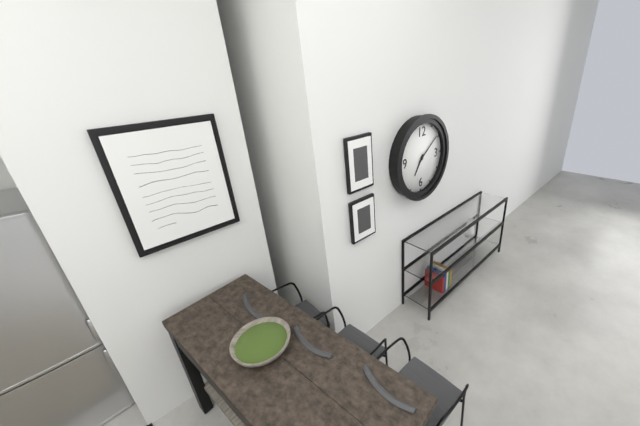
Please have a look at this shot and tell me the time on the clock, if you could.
7:09
